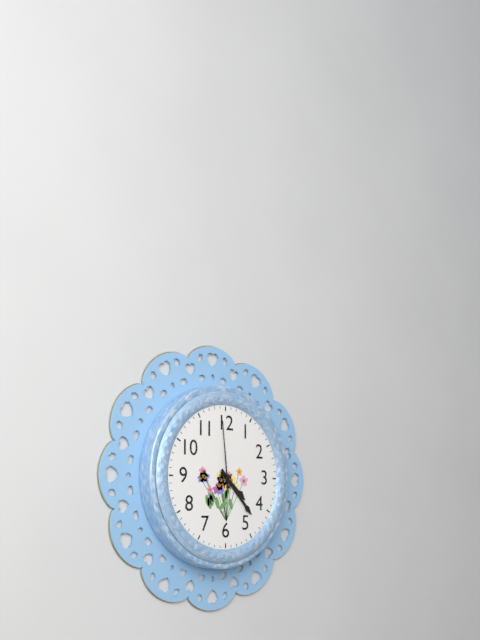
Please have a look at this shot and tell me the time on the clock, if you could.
4:23:59
